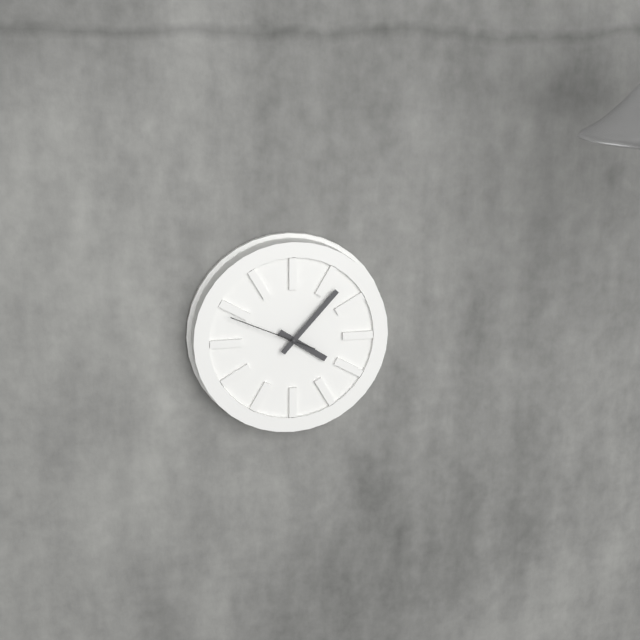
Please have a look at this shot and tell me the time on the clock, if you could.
4:07:49
